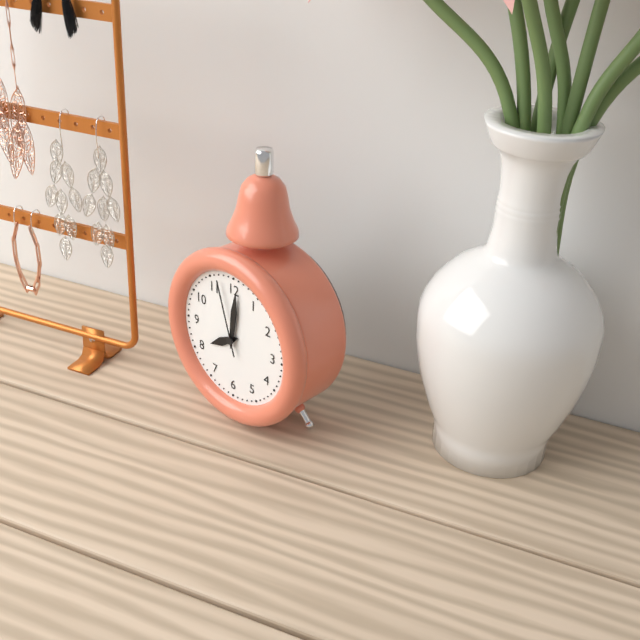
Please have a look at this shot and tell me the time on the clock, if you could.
8:01:57
